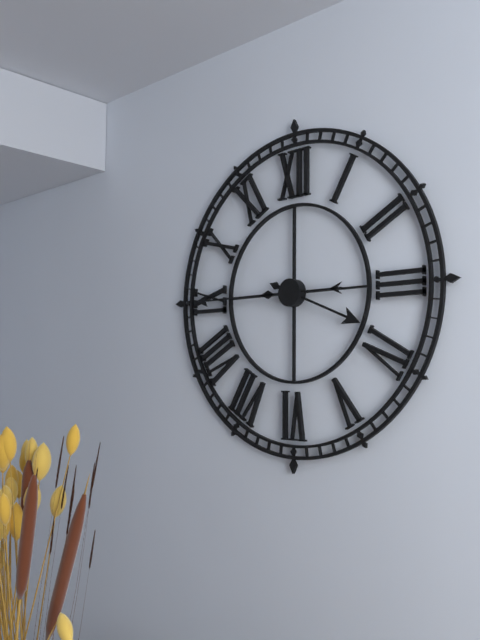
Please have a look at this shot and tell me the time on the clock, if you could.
3:45
